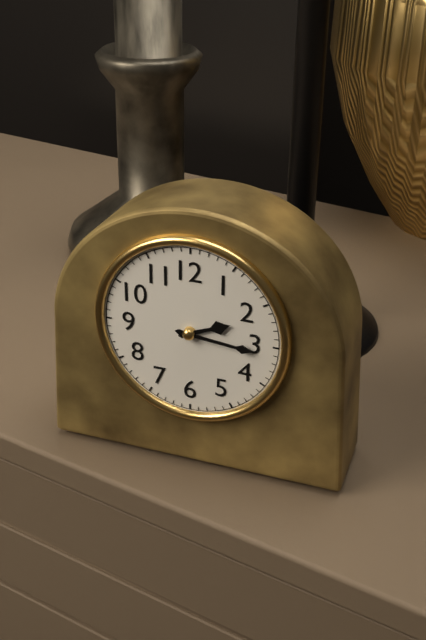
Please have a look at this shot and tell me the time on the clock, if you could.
2:16
